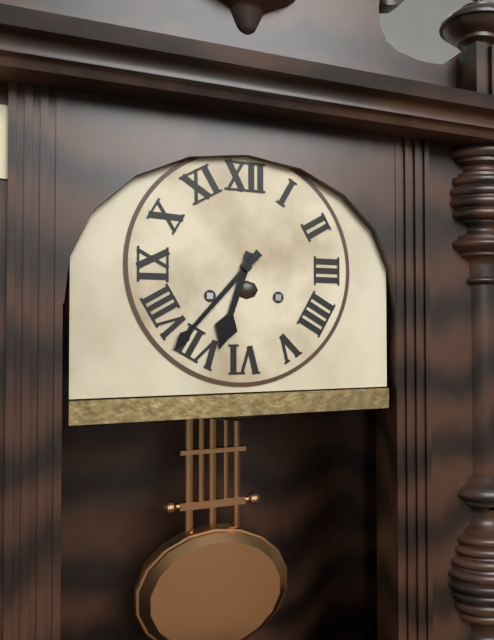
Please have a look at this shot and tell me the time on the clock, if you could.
6:37
